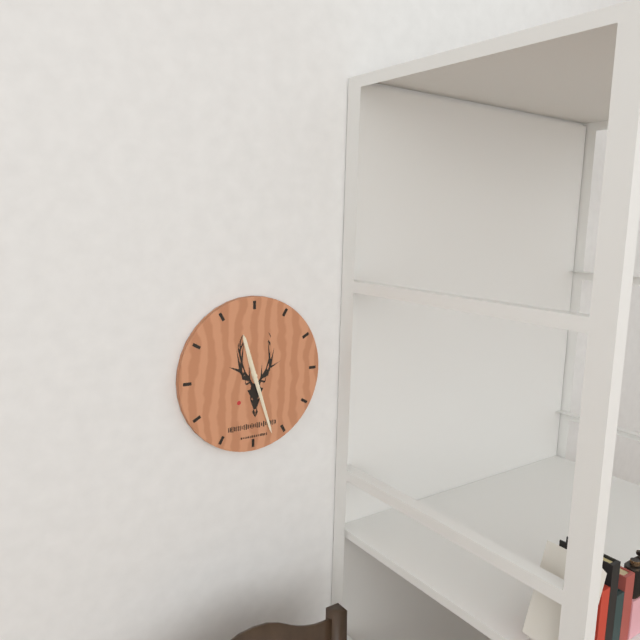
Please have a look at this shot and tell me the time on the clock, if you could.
11:27:27
